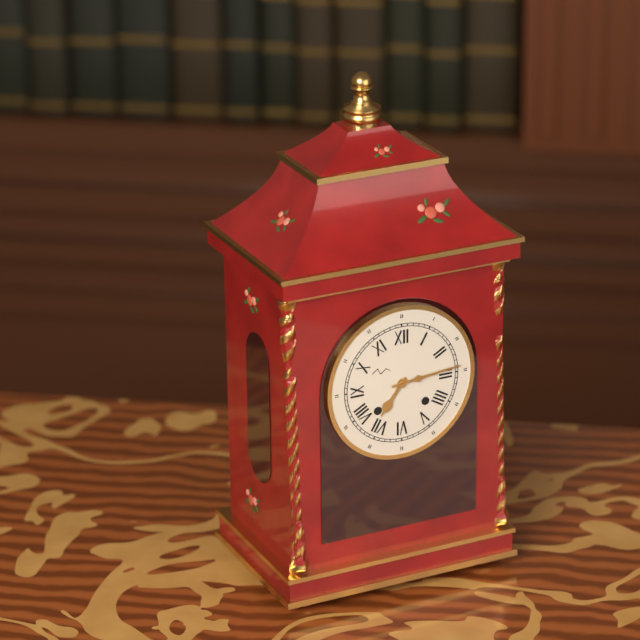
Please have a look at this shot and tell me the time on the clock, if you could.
7:14
